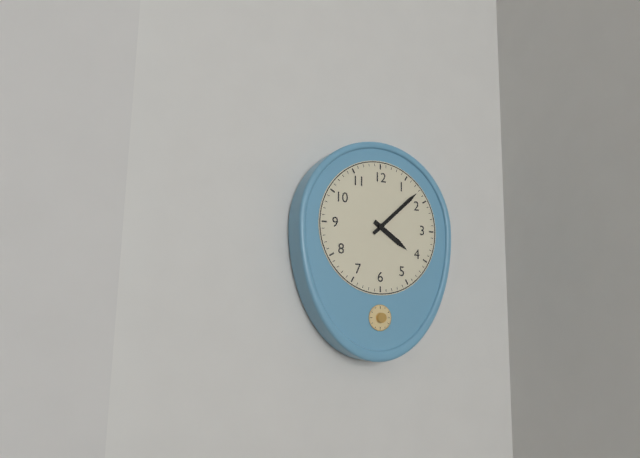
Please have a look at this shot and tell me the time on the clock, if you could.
4:08
